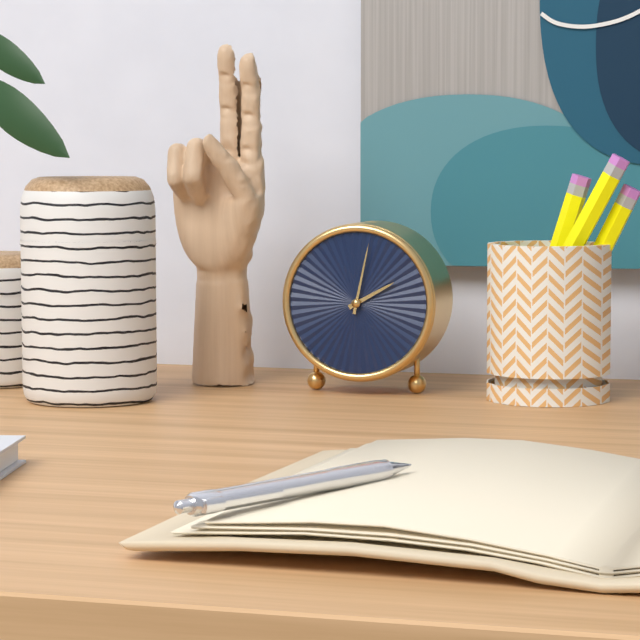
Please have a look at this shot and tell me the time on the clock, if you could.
2:02
